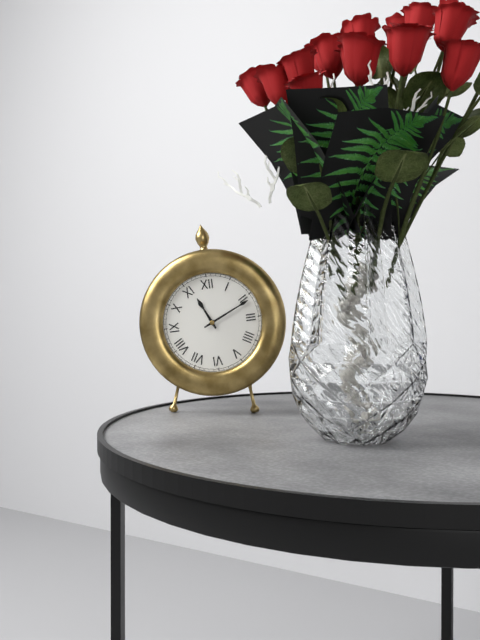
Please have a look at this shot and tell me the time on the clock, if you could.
11:11
